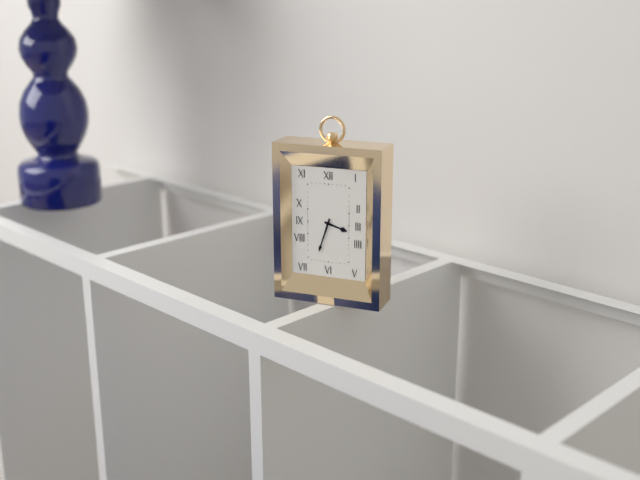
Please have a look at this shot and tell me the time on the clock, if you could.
3:33
